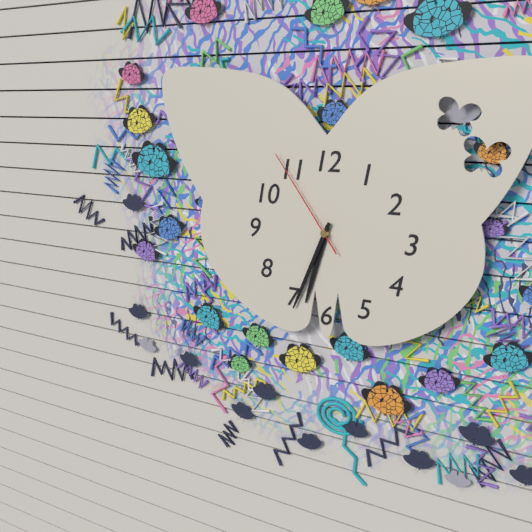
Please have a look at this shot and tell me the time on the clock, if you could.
6:34:54
